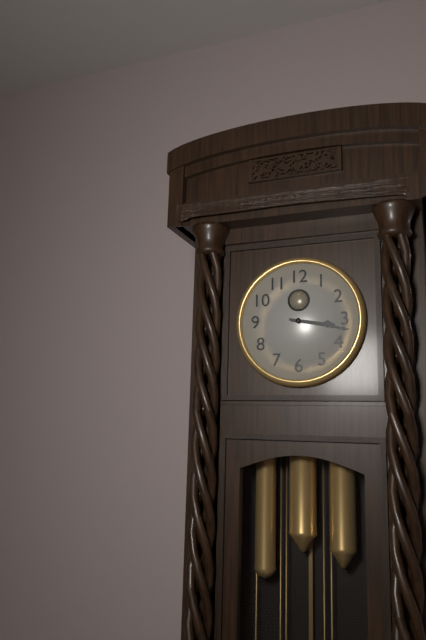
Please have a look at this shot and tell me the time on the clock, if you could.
3:17
